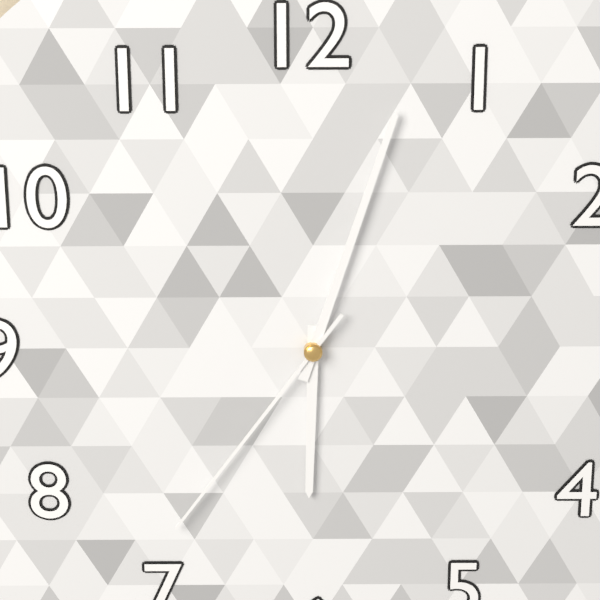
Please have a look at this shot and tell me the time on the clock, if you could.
6:03:36
